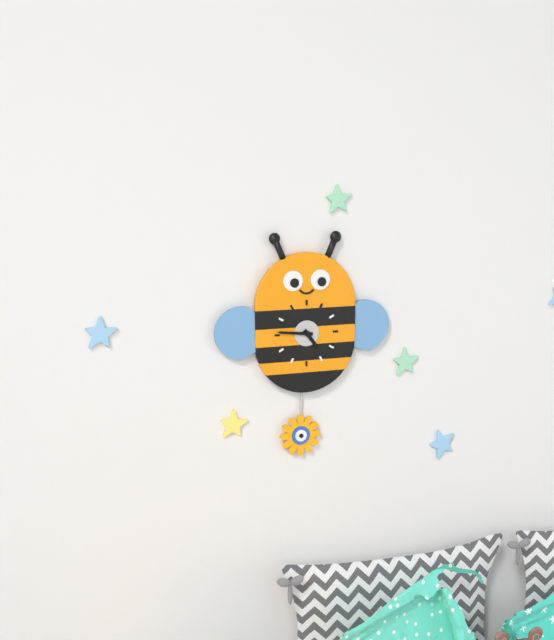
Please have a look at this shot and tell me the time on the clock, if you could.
4:46
